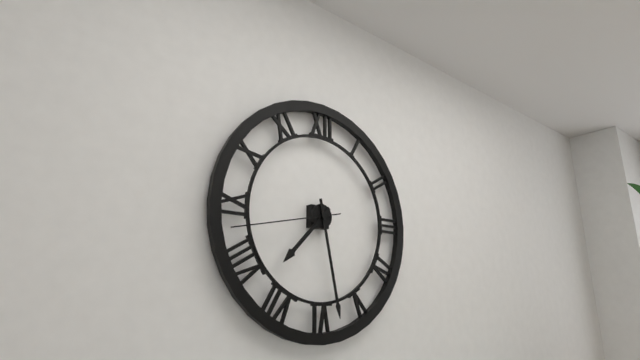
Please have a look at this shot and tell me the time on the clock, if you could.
7:28:43
